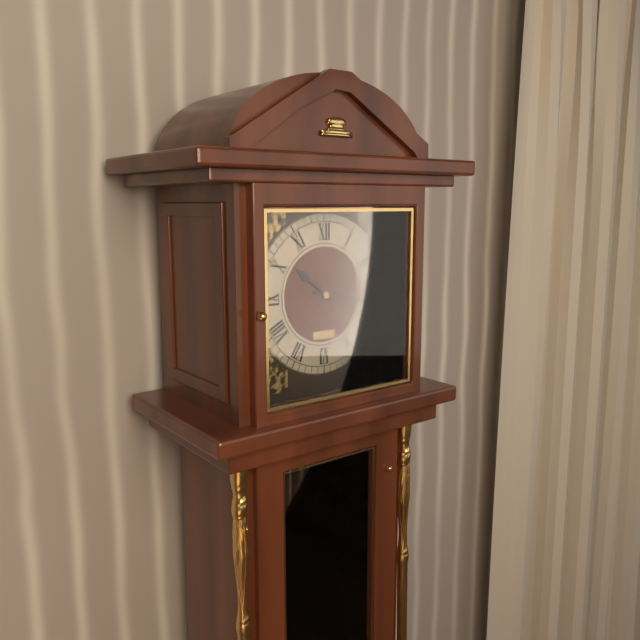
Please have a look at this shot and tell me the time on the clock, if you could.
10:17
